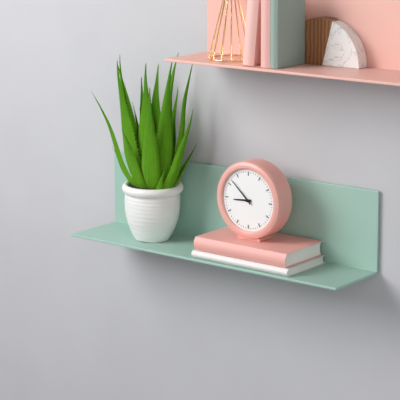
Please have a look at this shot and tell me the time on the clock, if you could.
8:52
